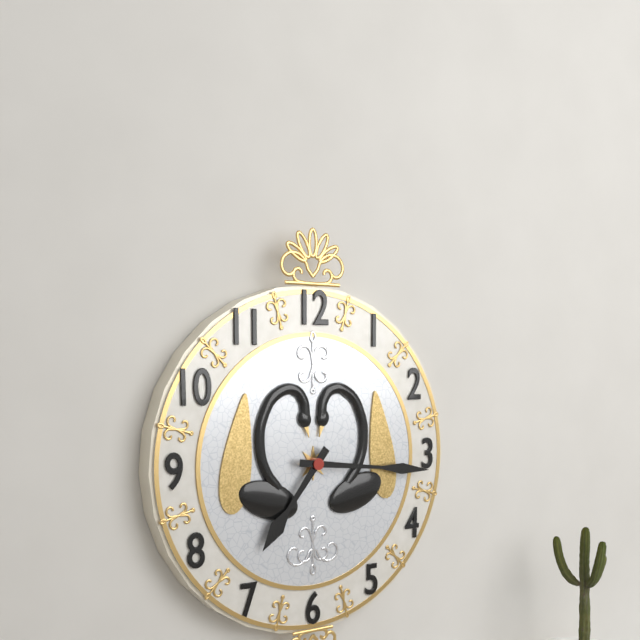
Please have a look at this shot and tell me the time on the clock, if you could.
7:16
